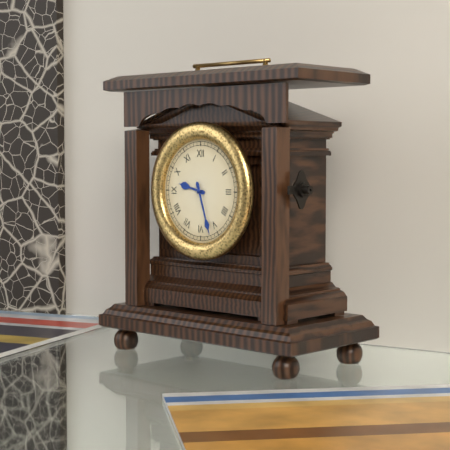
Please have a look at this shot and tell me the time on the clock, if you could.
9:27
